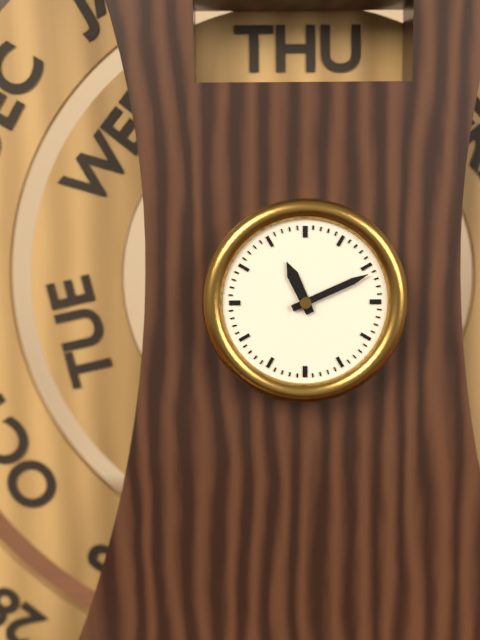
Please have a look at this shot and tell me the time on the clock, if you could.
11:11
